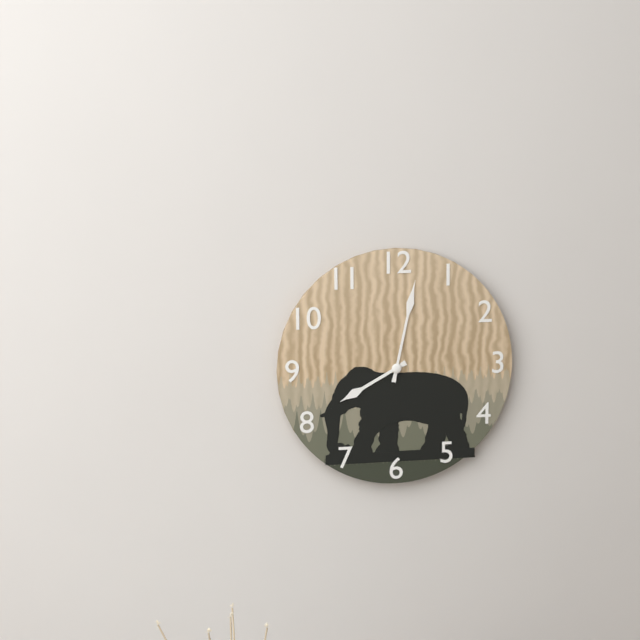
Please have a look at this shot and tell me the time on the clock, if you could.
8:02
